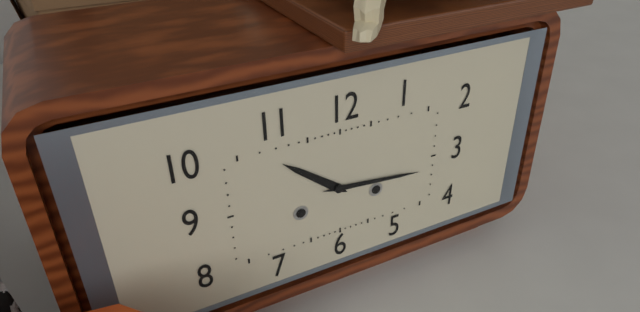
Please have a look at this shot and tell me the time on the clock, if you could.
10:16
